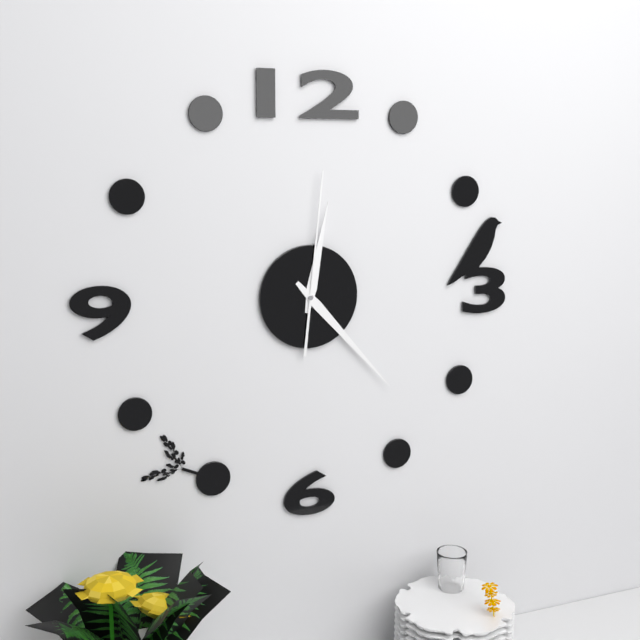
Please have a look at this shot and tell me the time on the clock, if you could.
12:23:01
